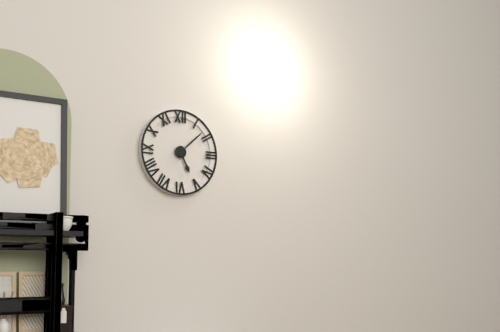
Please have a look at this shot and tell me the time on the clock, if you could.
5:08
